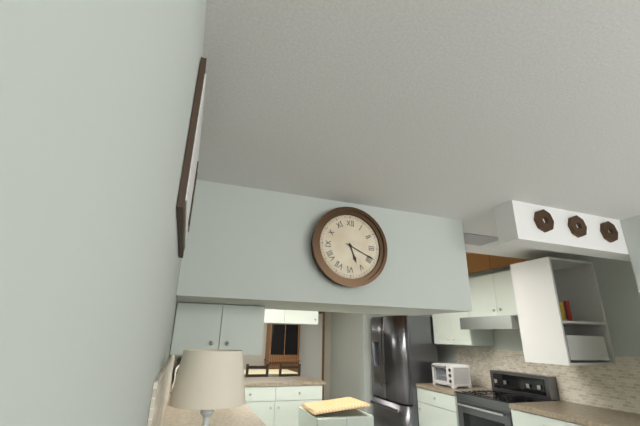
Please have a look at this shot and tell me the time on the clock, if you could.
5:19
